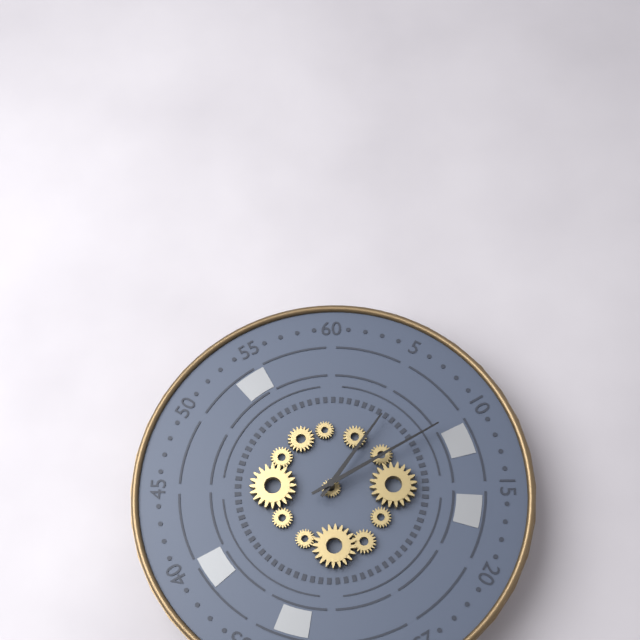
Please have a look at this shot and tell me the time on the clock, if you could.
1:10
